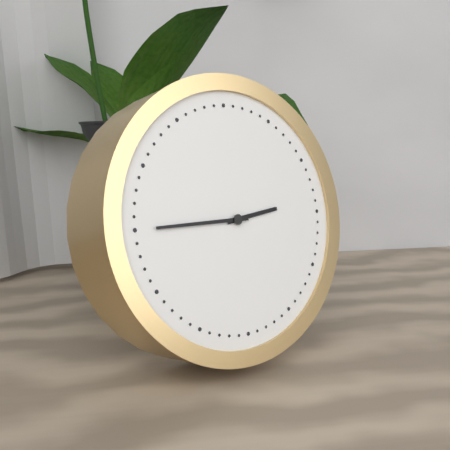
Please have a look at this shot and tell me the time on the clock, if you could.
2:45
